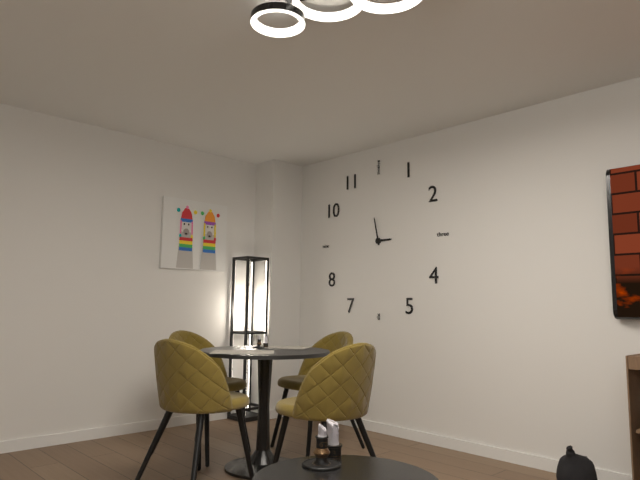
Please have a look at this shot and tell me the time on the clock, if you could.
2:58
